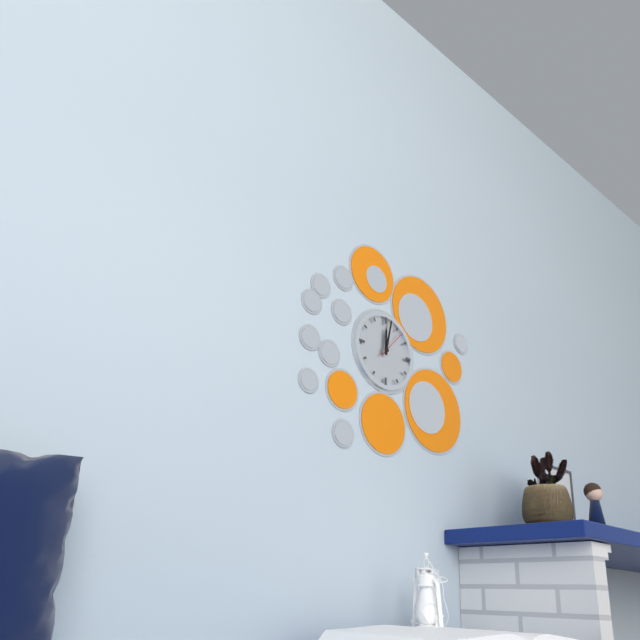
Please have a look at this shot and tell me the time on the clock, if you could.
12:02
